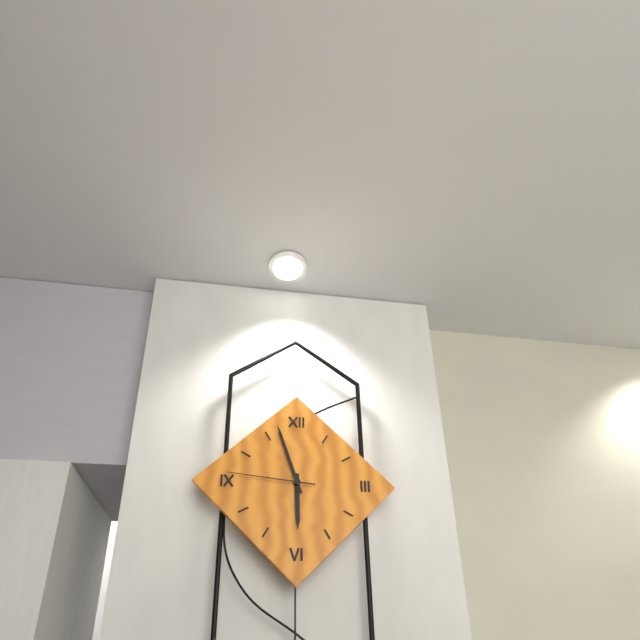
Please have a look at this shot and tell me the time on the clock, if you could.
5:57:46
